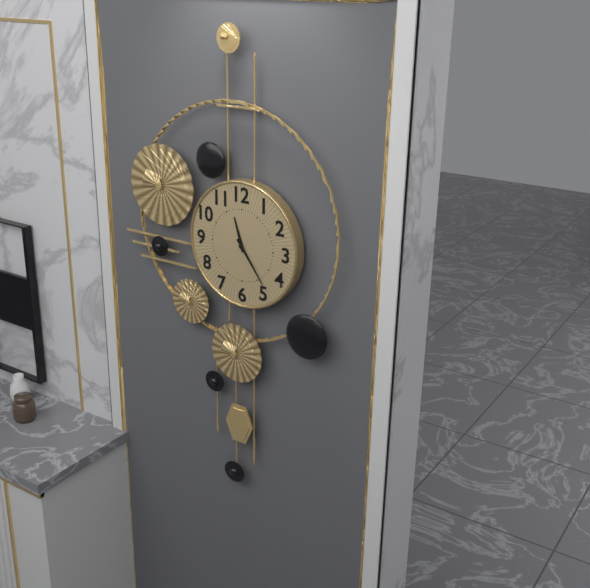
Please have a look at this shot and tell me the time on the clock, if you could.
11:24
